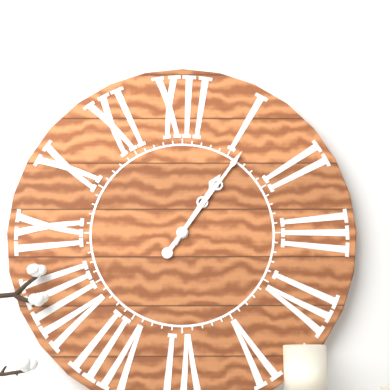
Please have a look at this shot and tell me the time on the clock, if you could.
1:06
